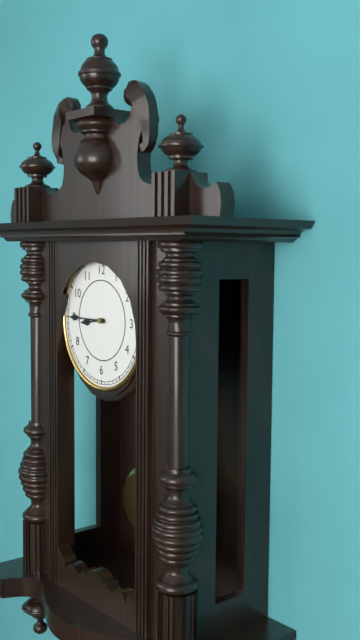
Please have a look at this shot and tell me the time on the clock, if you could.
8:45
